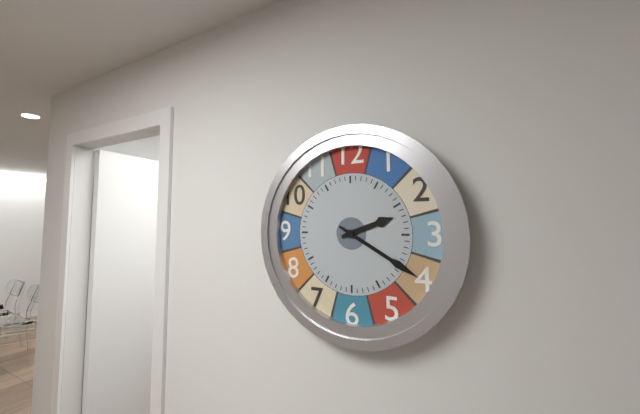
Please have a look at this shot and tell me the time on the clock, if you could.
2:20
